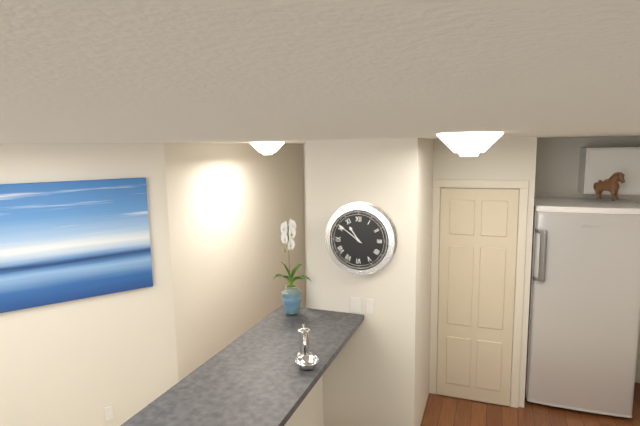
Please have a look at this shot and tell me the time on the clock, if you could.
10:51
